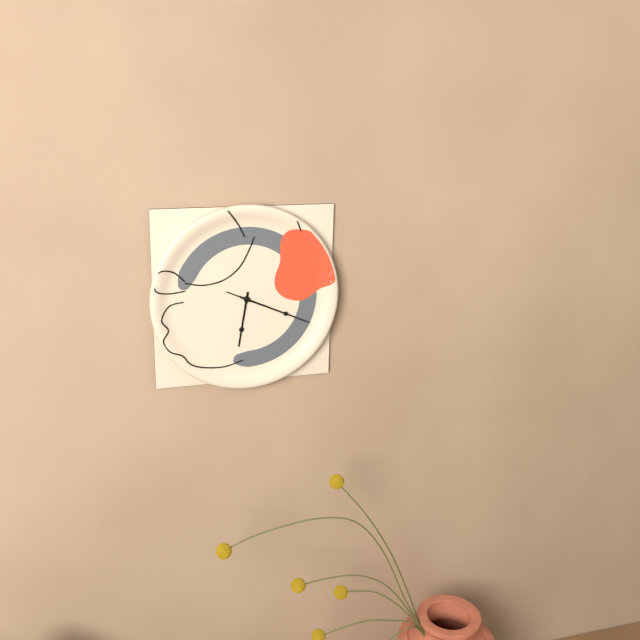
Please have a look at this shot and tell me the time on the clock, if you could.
6:19:19
